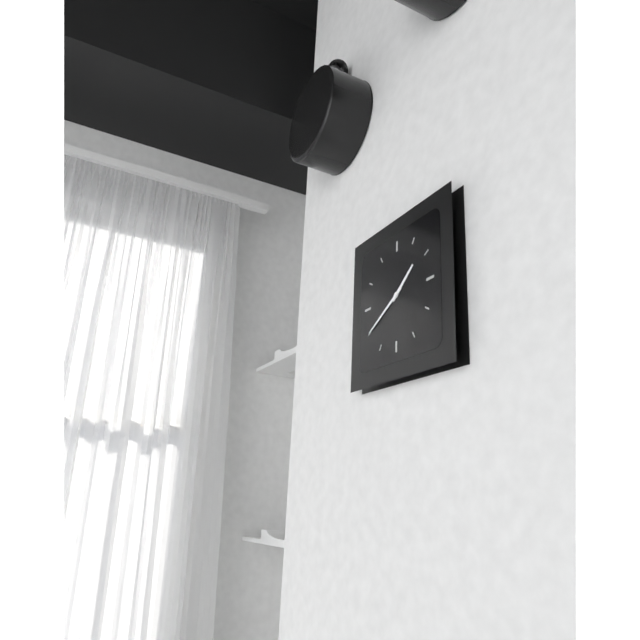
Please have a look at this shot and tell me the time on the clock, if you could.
1:40
